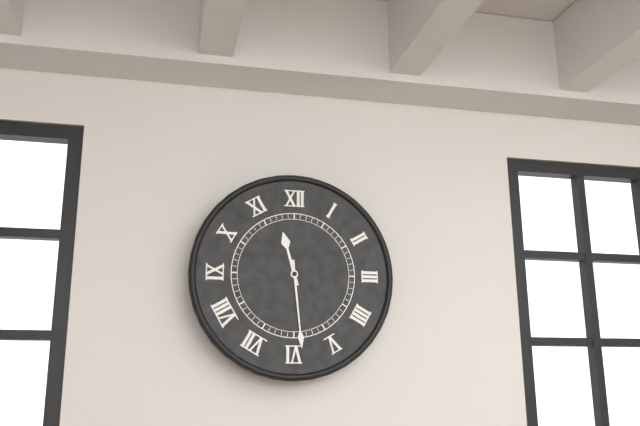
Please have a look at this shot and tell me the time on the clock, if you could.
11:29
